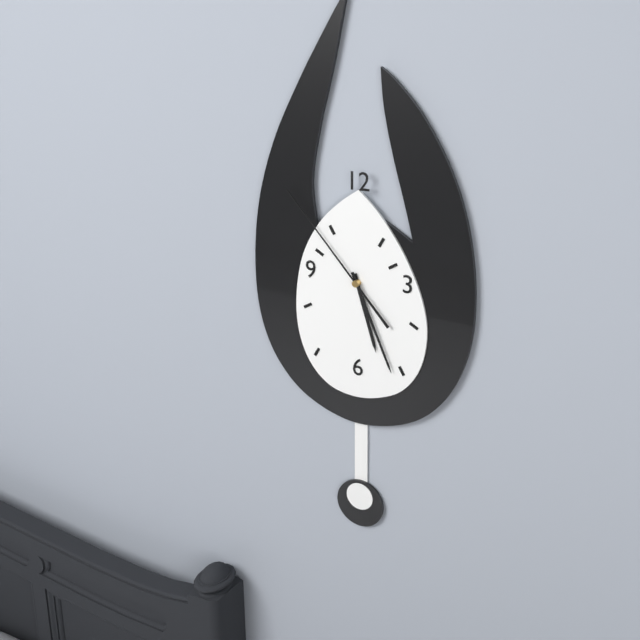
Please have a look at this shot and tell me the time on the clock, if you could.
5:26:53
